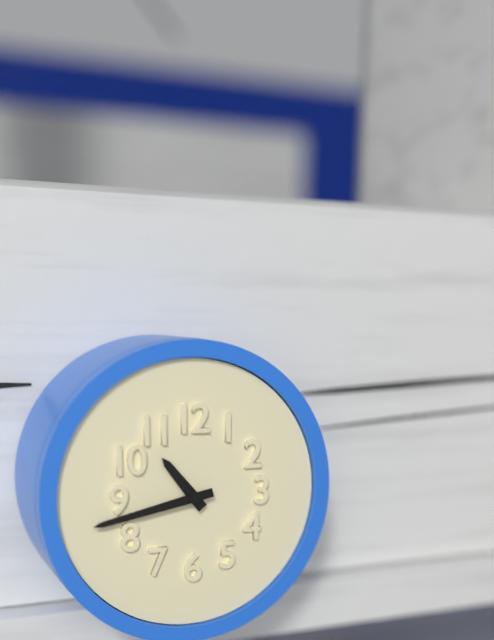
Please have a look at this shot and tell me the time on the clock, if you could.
10:43
